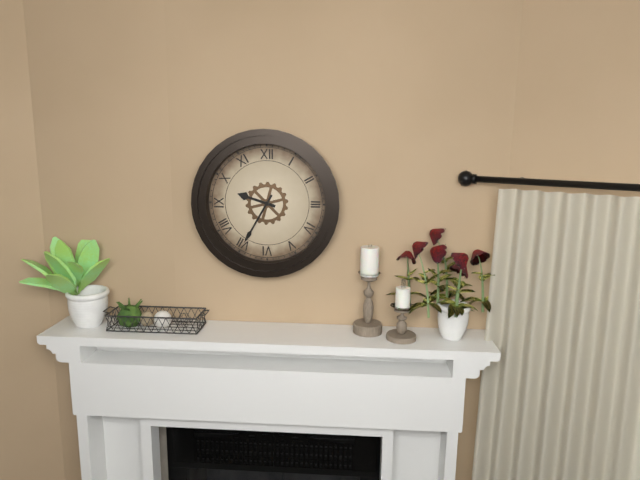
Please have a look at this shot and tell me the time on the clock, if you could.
9:35
